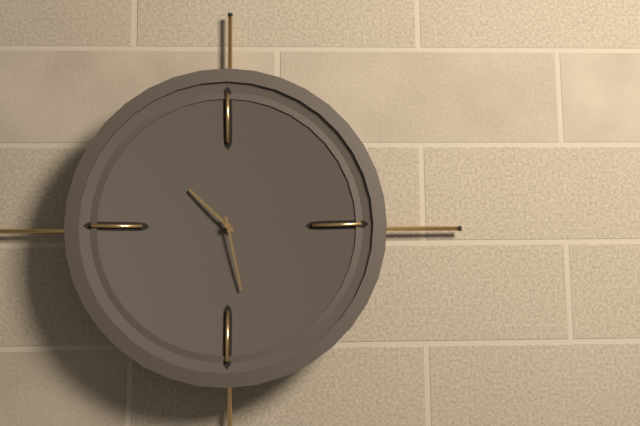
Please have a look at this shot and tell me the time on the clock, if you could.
10:28
